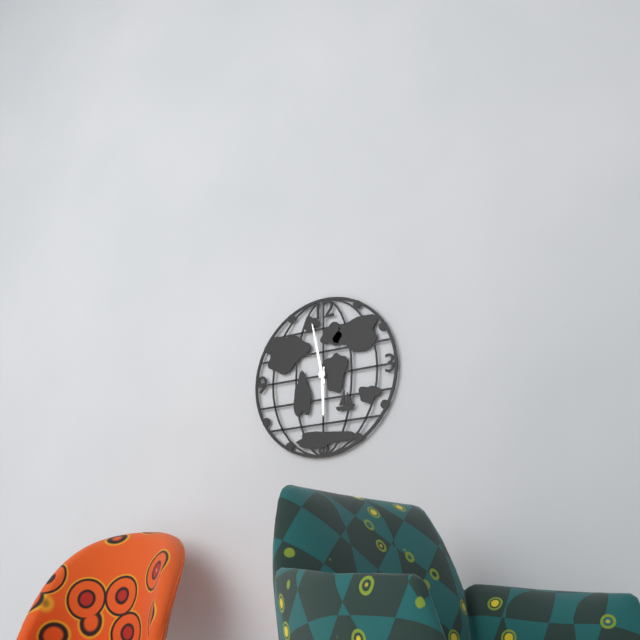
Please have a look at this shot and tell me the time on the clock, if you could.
5:58
